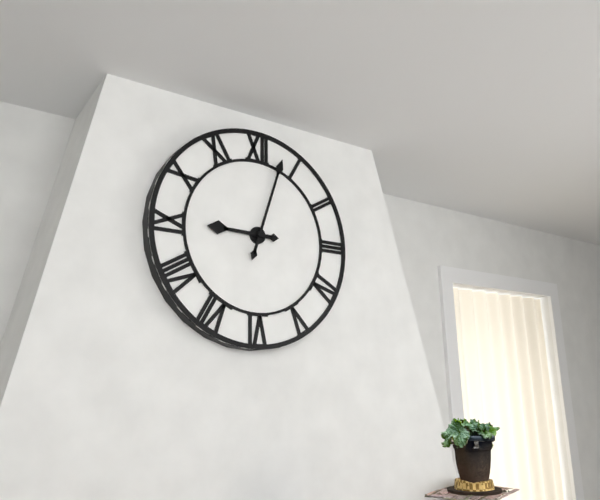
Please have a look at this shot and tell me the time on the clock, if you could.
9:03
